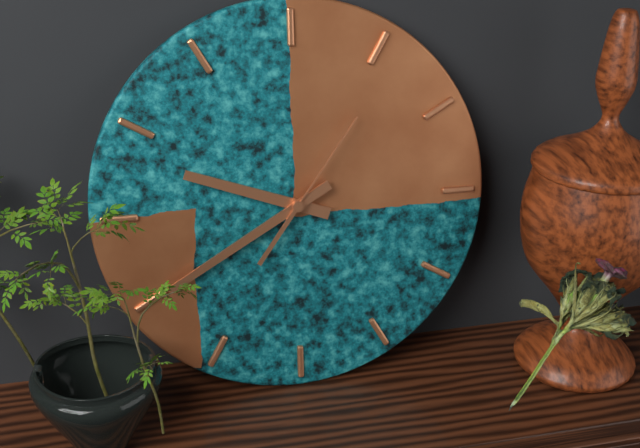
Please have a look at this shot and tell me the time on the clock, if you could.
9:40:06
